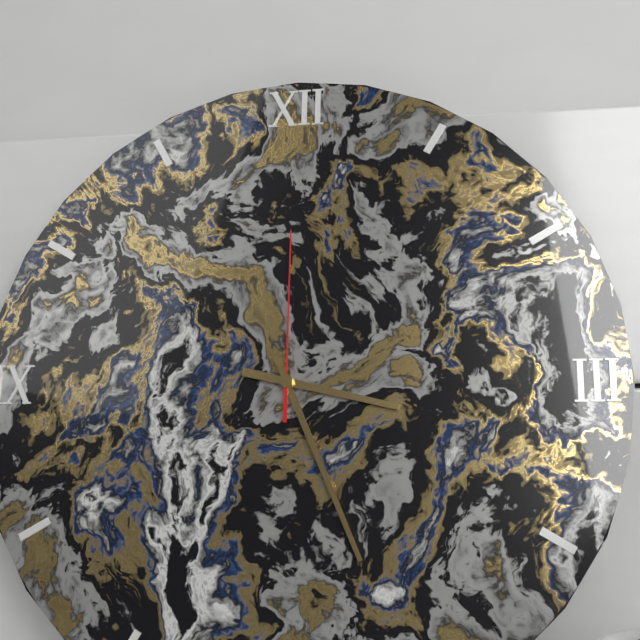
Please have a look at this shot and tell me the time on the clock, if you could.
3:26:00
